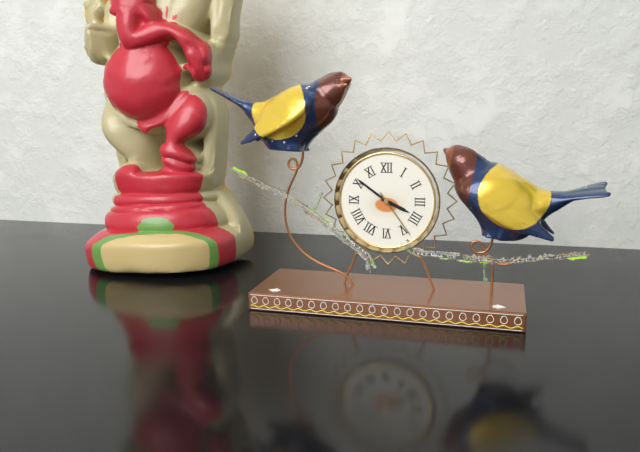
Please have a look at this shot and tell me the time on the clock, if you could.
3:51:24
